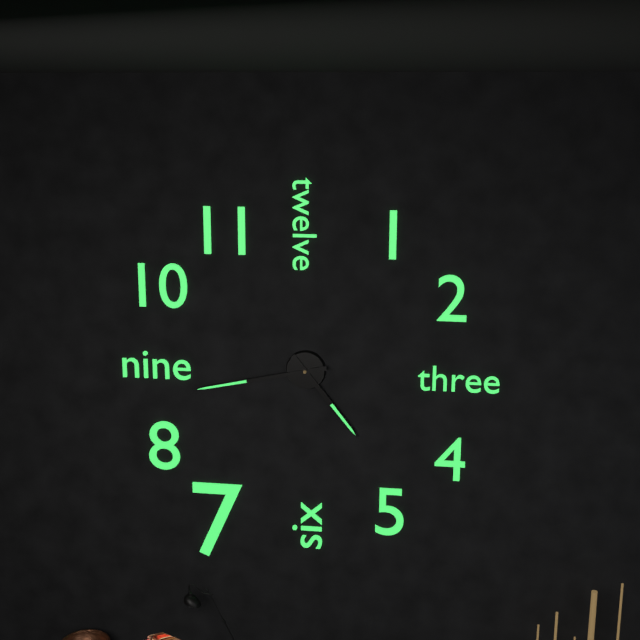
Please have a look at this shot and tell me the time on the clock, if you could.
4:43
